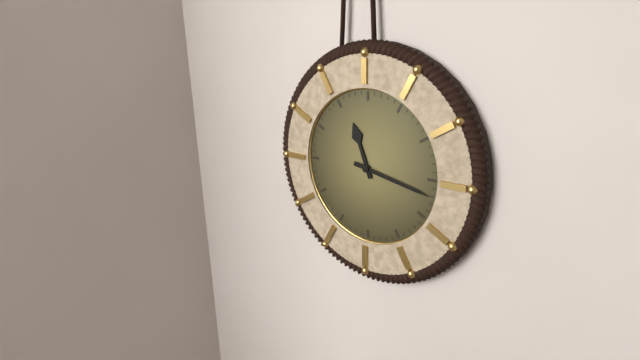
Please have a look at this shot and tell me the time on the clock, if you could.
11:17
